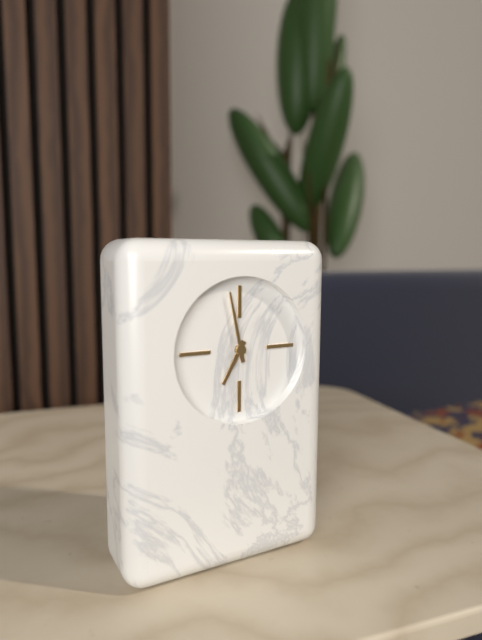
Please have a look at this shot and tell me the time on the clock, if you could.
6:58
